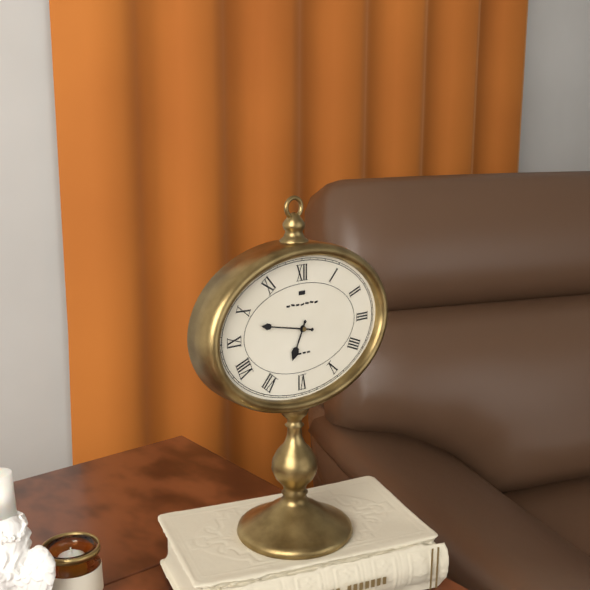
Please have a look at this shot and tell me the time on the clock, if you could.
6:47
